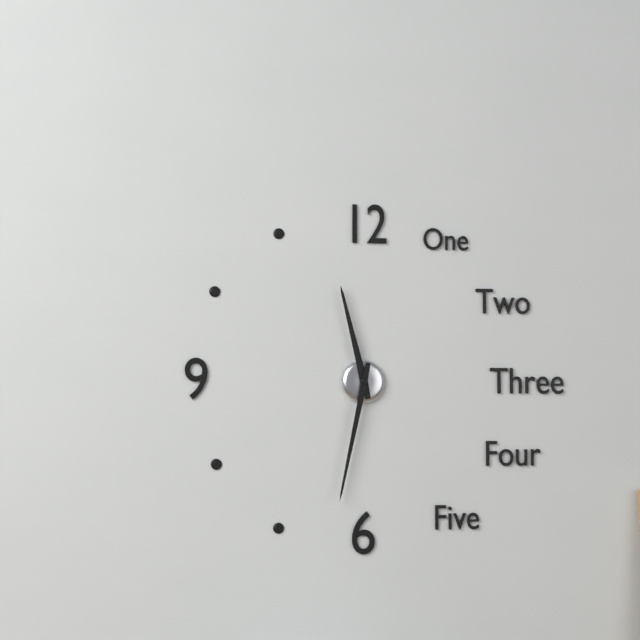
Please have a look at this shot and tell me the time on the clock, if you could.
11:32
